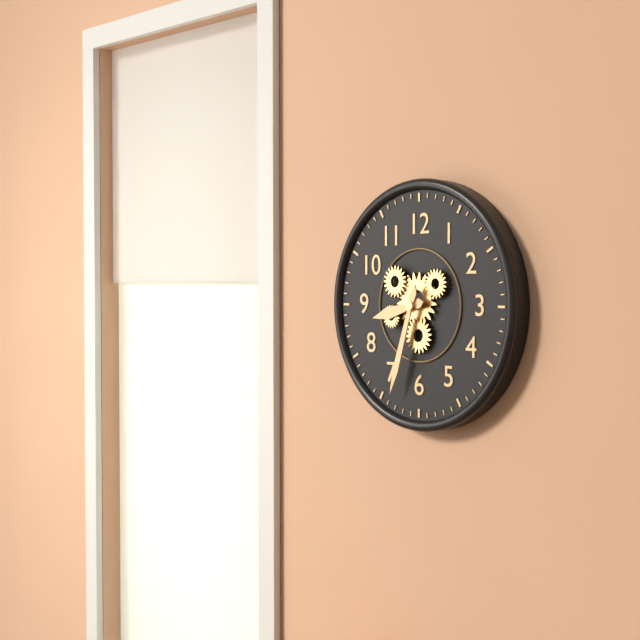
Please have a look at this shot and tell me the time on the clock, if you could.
8:33
